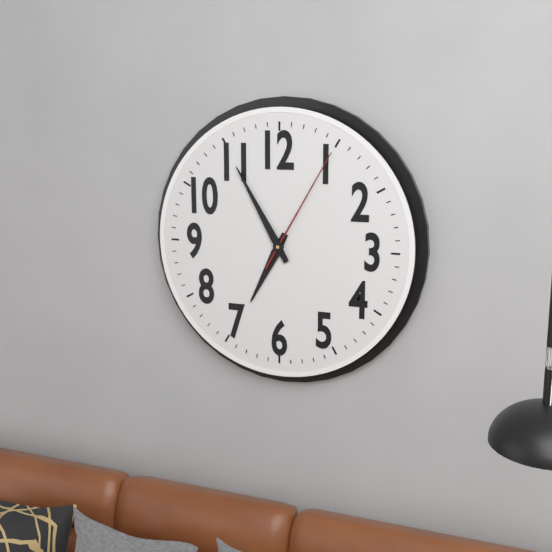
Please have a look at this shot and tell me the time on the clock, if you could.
6:55:05
